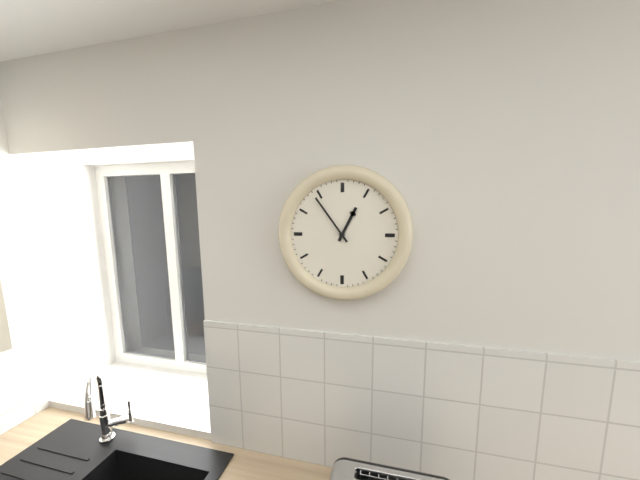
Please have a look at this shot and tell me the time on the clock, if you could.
12:54
